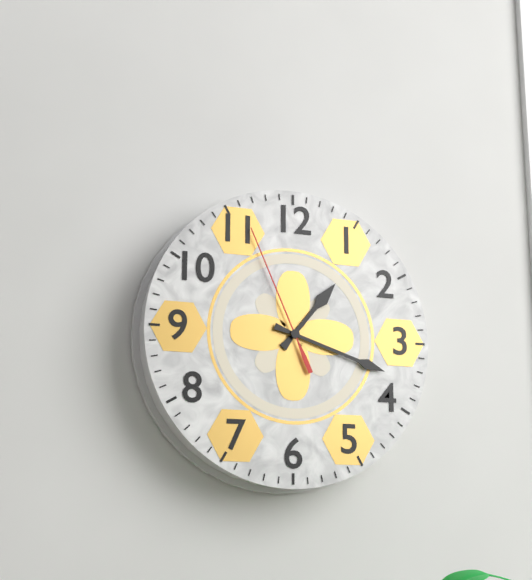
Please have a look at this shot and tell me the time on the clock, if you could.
1:18:56
